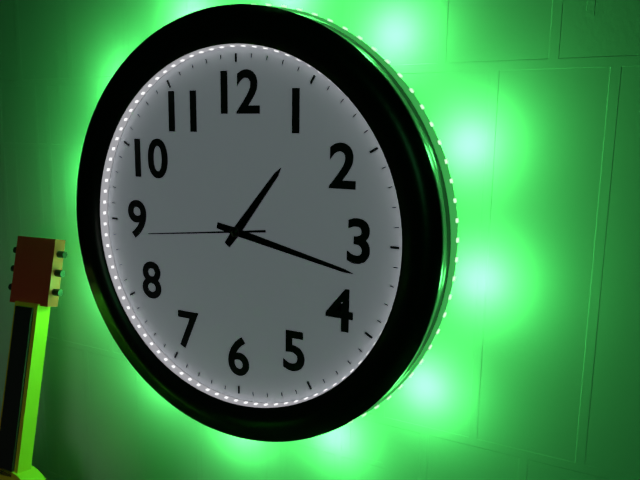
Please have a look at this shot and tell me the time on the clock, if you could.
1:17:44
